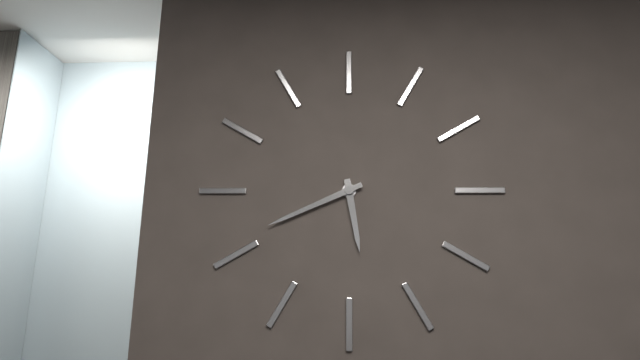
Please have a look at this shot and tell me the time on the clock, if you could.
5:41
